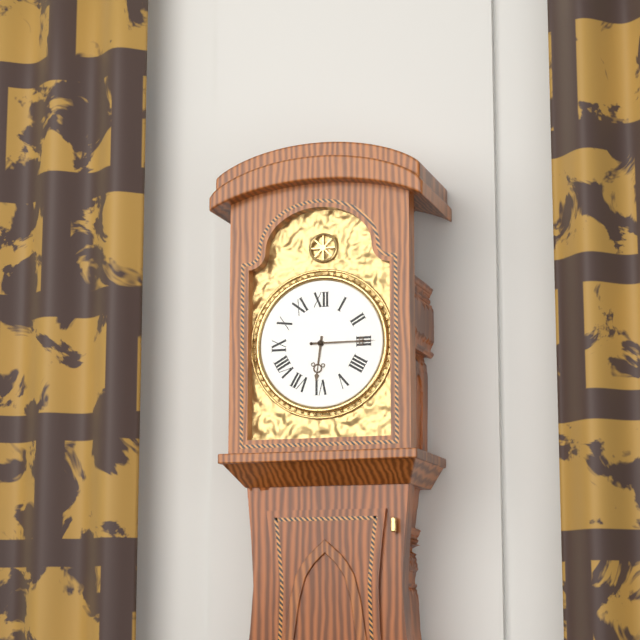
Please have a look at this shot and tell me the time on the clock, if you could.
6:15
